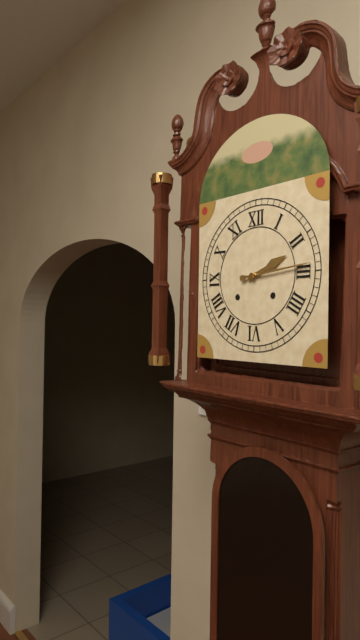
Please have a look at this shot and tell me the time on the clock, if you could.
2:14
